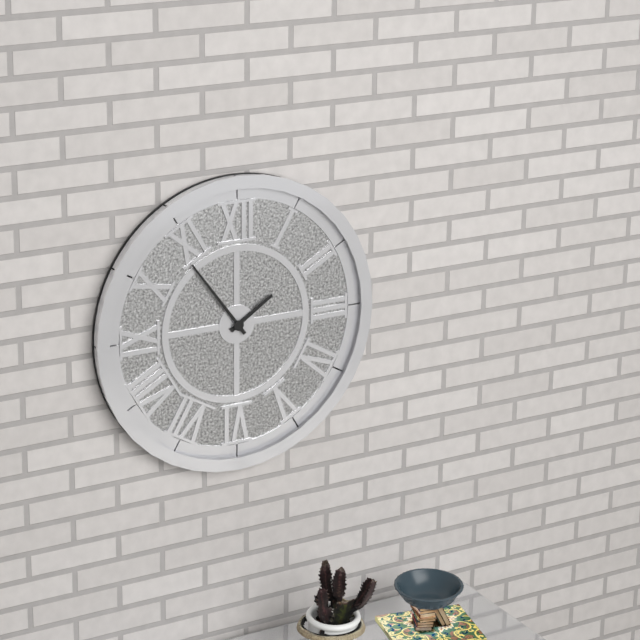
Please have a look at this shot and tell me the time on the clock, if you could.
1:54
